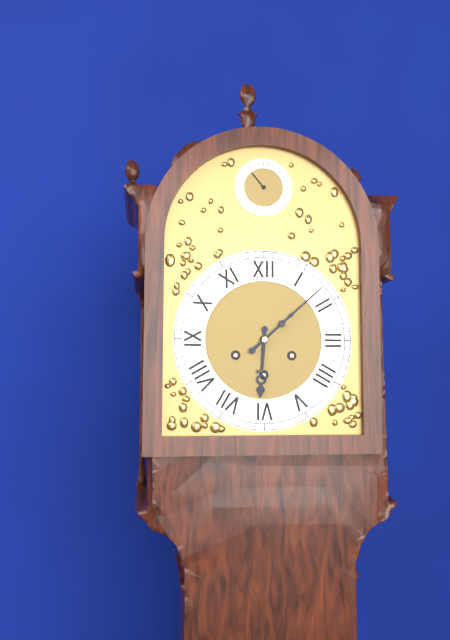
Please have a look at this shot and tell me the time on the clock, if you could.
6:08
